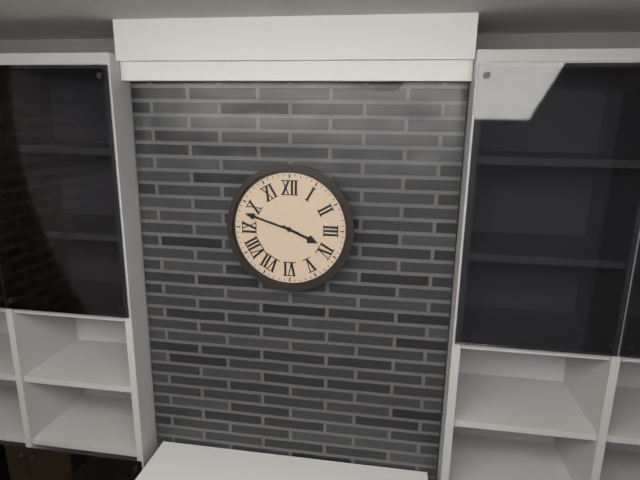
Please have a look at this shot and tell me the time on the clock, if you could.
3:48
